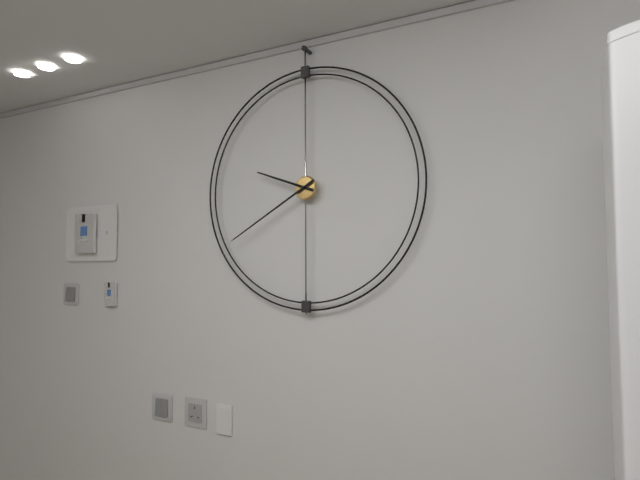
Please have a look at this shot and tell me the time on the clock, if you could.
9:40
